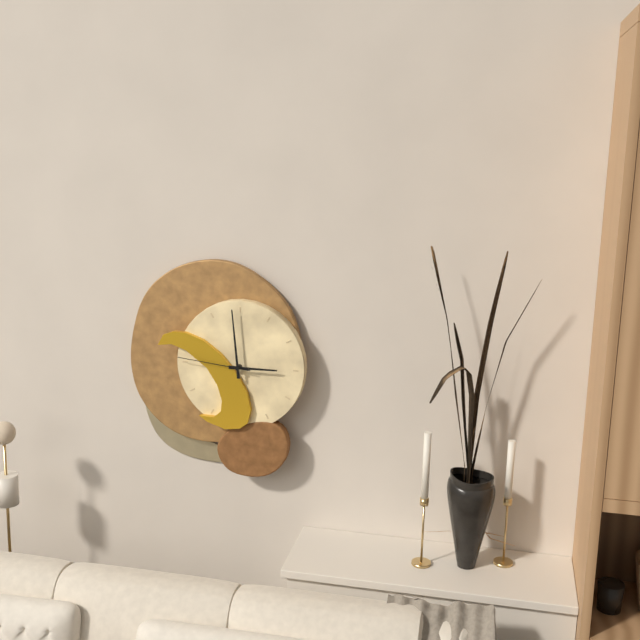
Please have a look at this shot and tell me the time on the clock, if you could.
2:59:46
